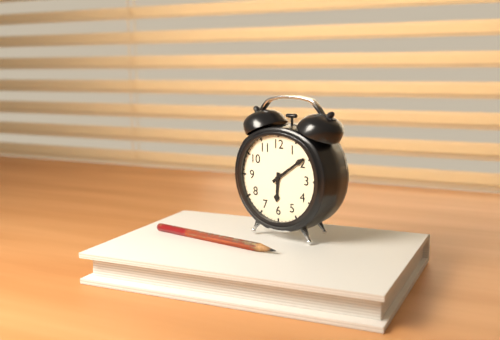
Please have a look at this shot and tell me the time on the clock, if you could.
6:09
